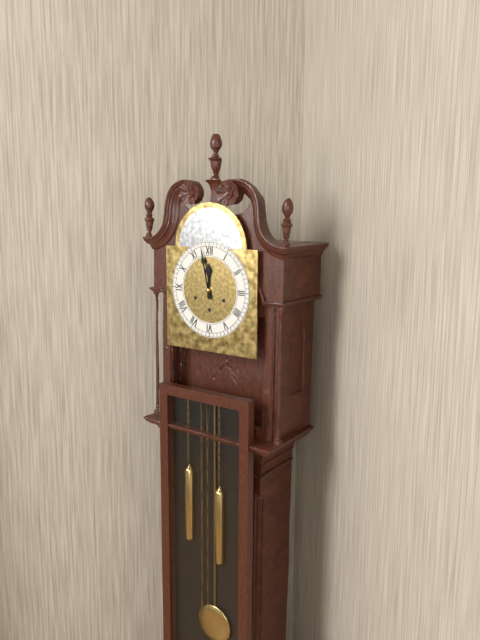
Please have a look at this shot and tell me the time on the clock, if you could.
11:58
